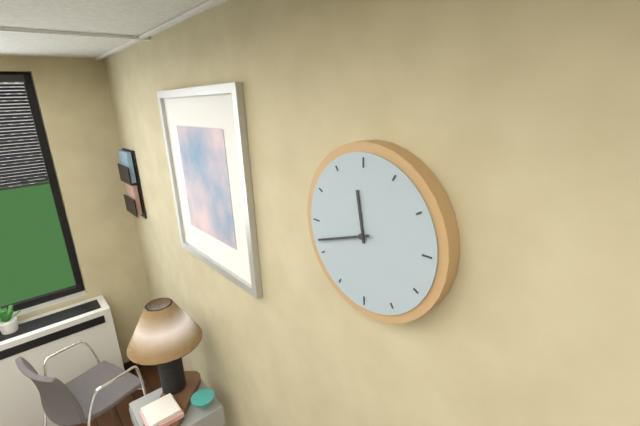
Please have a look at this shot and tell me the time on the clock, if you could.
11:42
